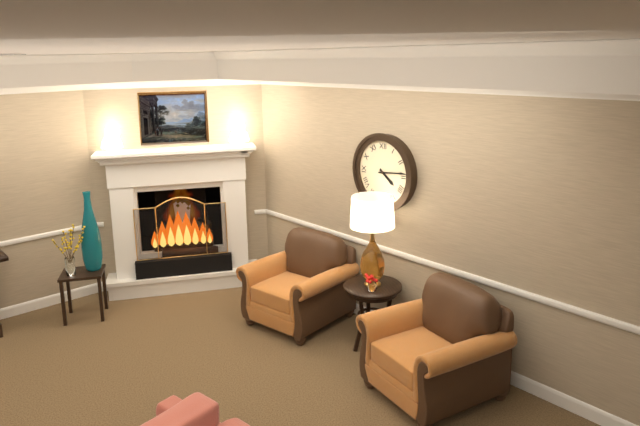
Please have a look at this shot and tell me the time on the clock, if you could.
4:14
